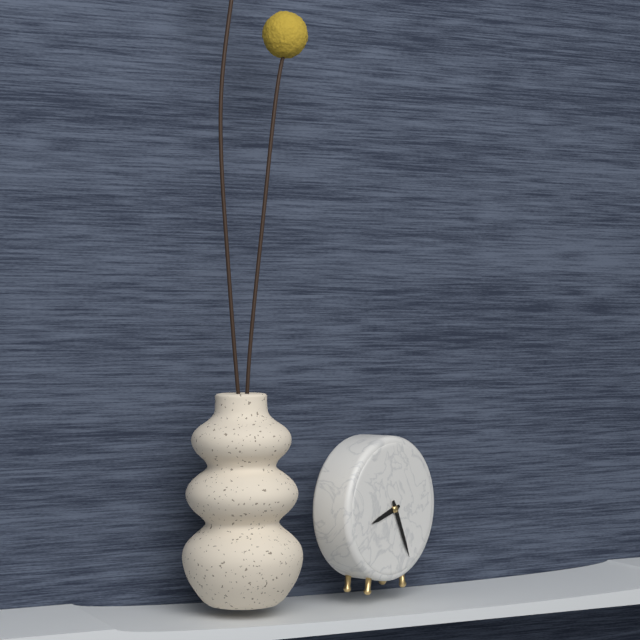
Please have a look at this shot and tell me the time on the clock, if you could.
8:26
